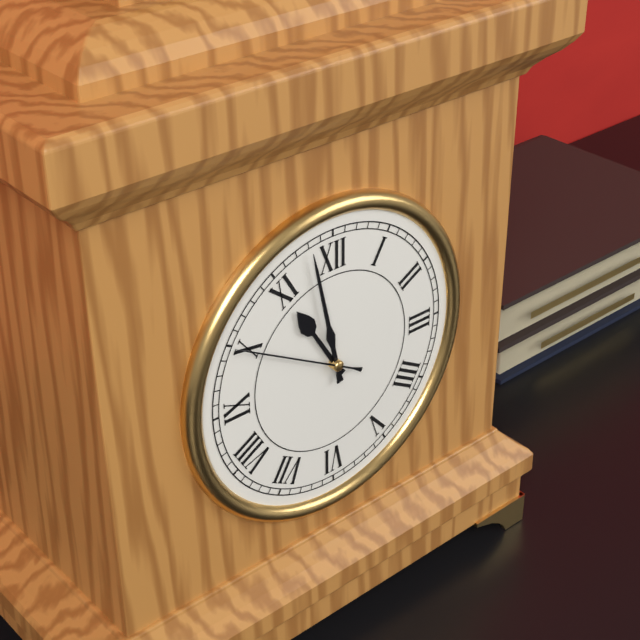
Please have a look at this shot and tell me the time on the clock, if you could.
10:58:50
